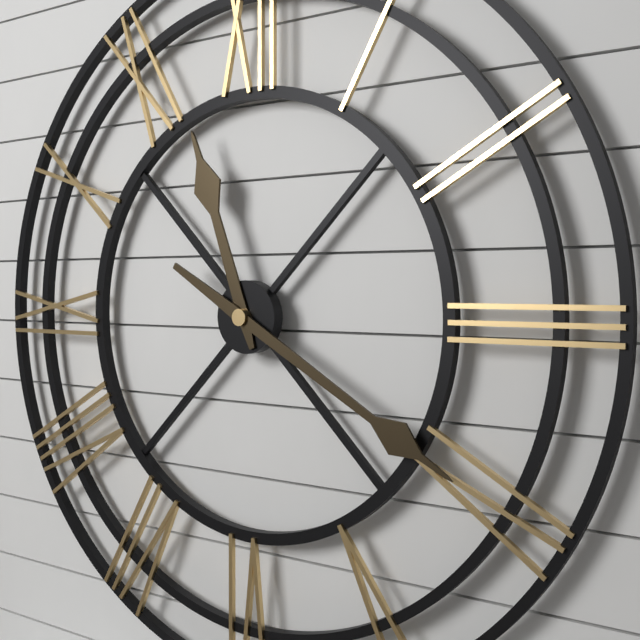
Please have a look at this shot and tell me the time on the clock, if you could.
11:20
